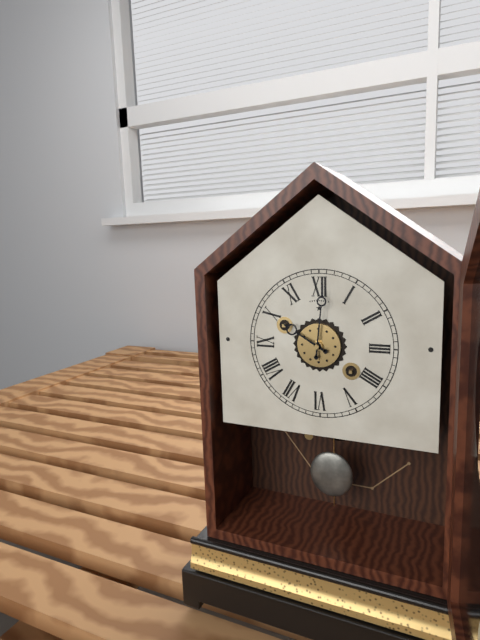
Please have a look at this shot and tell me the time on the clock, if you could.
10:01
